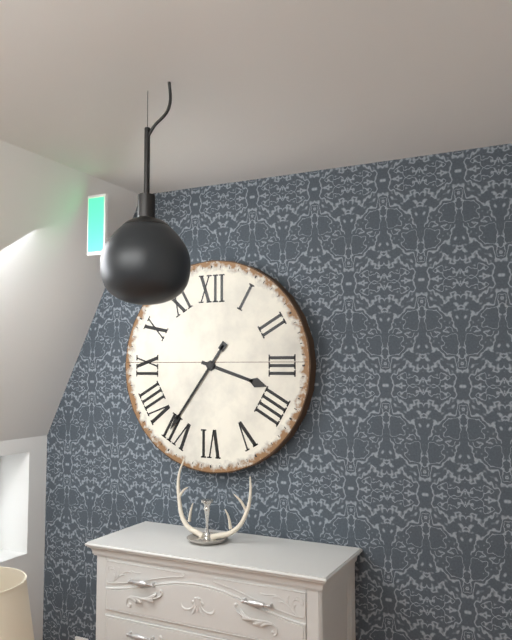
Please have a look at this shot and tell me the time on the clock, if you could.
3:36
